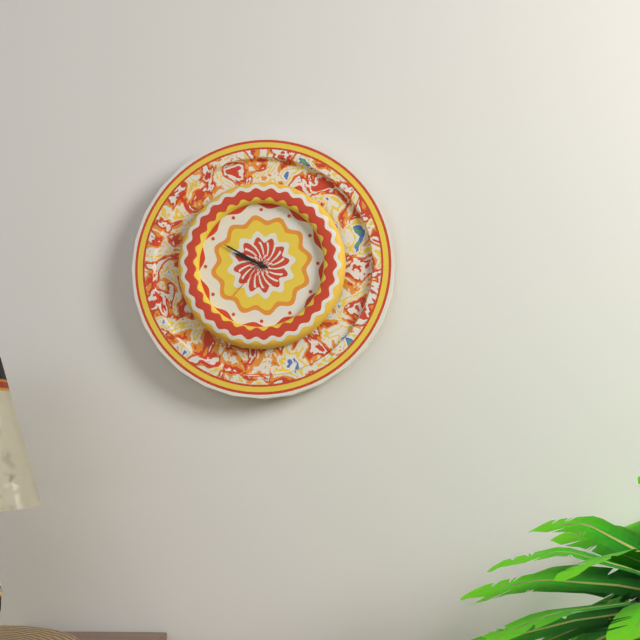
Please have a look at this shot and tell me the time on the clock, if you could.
9:50:37
